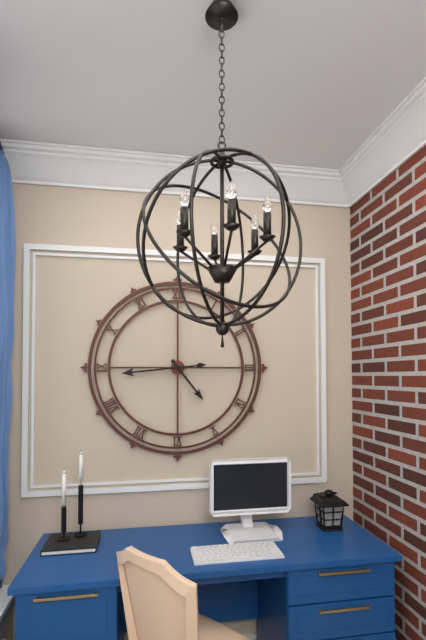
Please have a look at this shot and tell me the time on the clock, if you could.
4:44
